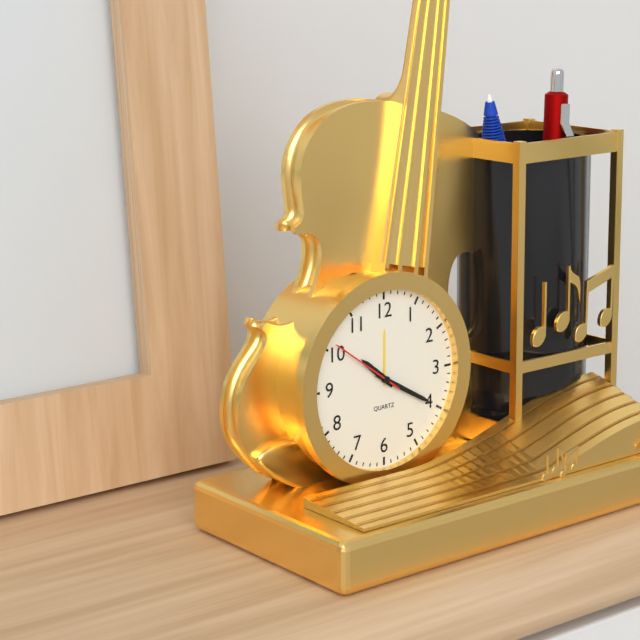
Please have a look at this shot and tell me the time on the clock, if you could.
10:20:51
